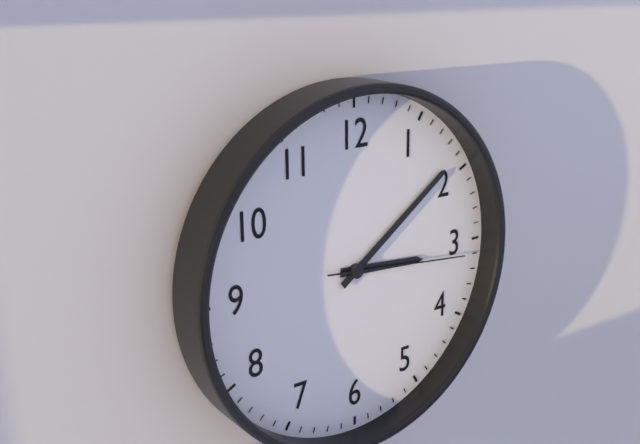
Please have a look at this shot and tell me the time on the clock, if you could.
3:09:16
